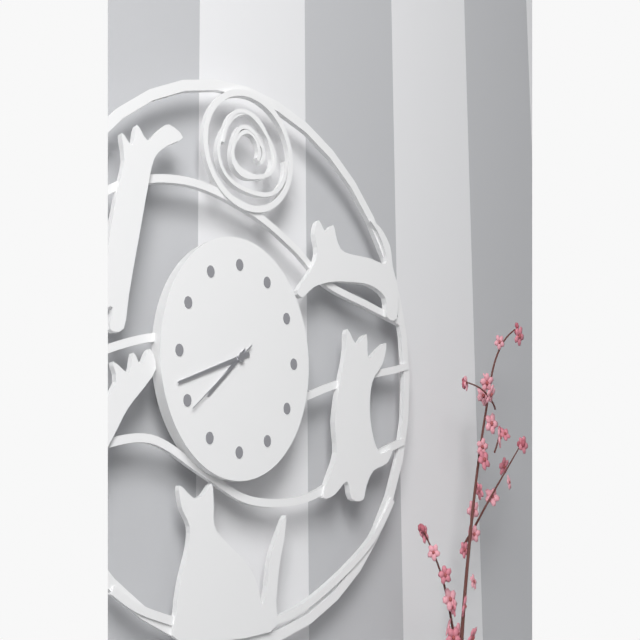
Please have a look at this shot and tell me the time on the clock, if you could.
7:42:39
